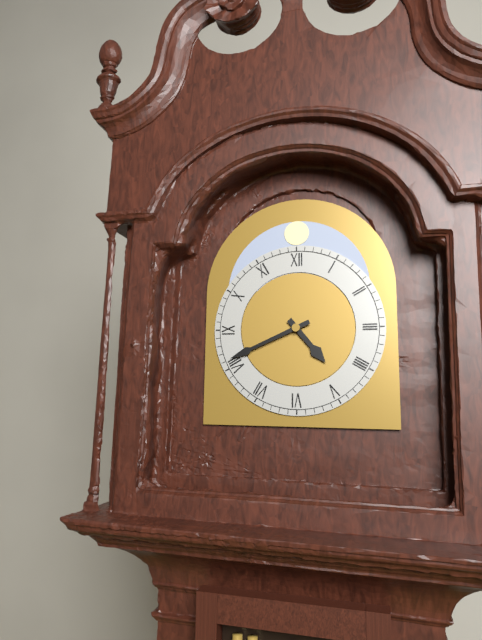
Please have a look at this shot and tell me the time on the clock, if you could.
4:41
